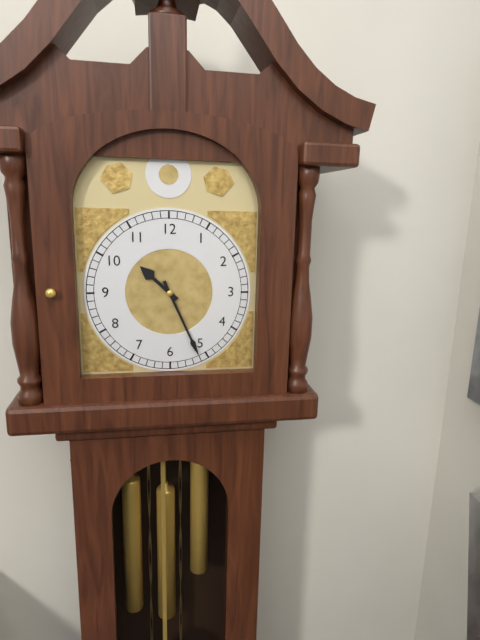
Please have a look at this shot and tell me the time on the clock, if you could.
10:26
